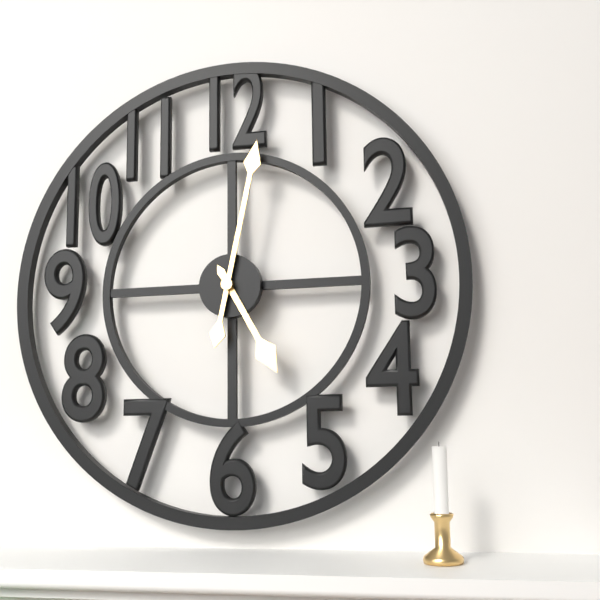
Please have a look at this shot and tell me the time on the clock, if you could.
5:02
